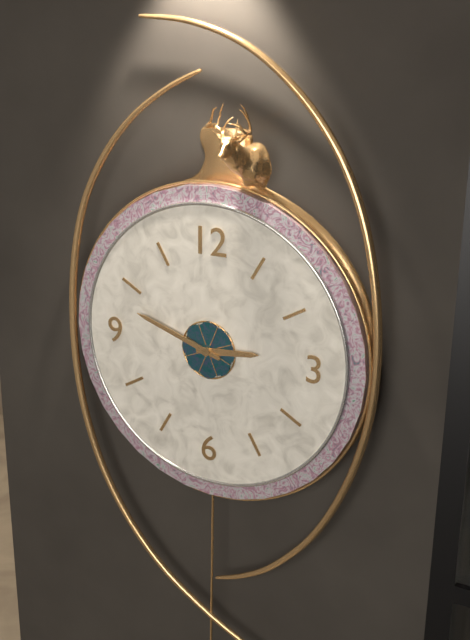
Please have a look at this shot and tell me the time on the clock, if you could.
2:48
